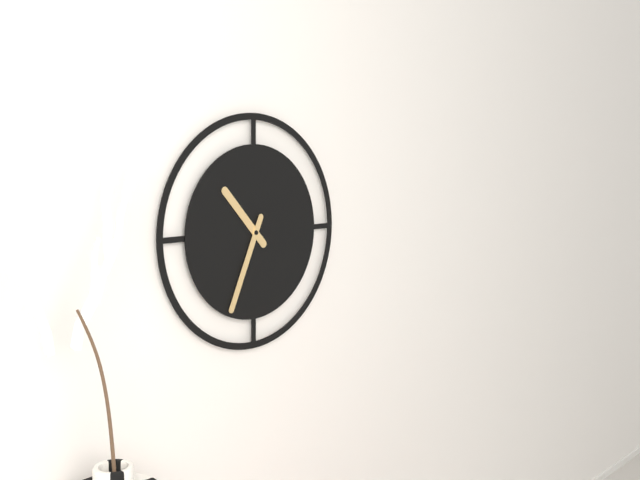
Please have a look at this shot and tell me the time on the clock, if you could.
10:34
